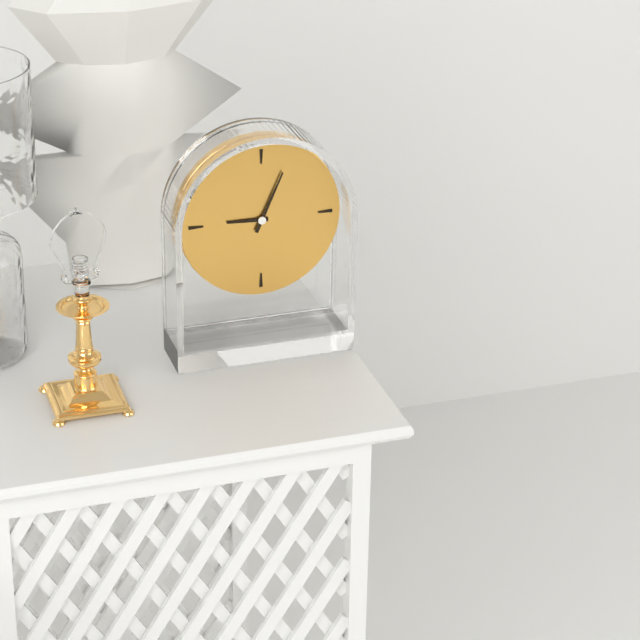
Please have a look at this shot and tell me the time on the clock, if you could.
9:04
